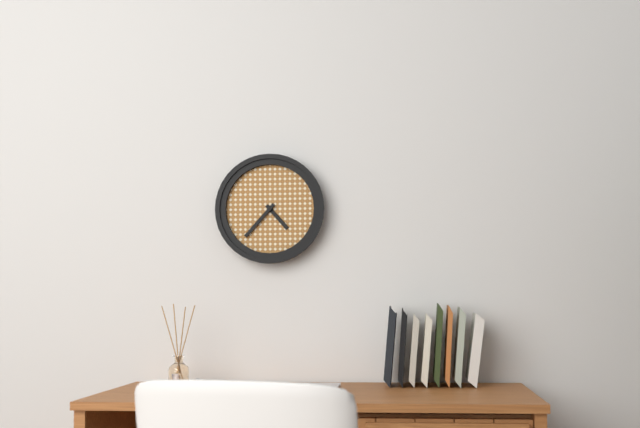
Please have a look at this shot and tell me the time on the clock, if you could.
4:37
